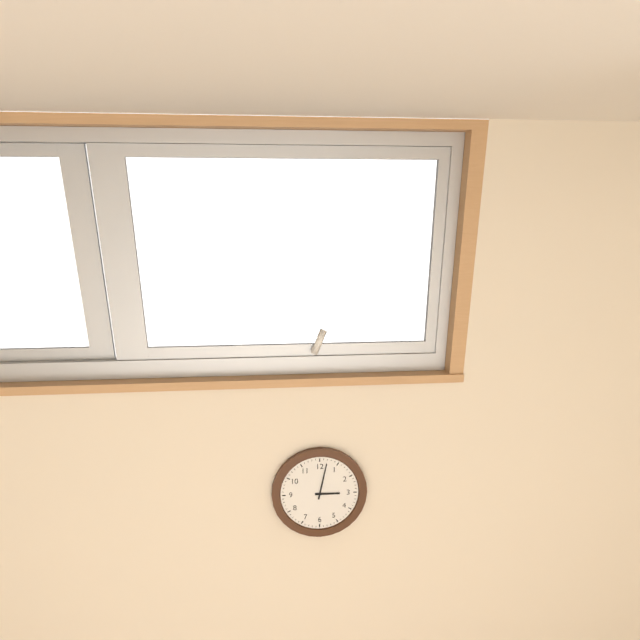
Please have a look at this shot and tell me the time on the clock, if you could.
3:02
